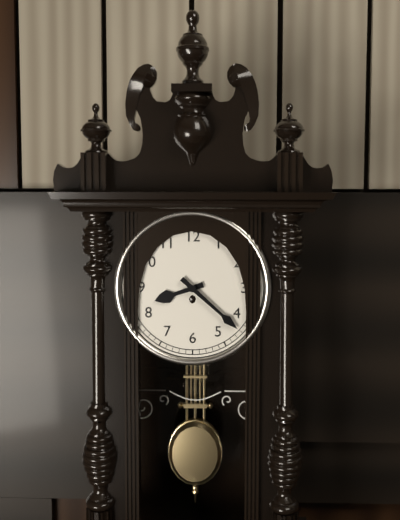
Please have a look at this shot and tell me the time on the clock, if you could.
8:22
